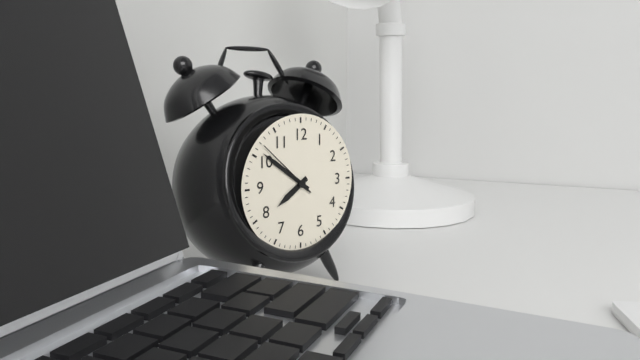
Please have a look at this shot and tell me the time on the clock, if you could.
7:51:52
